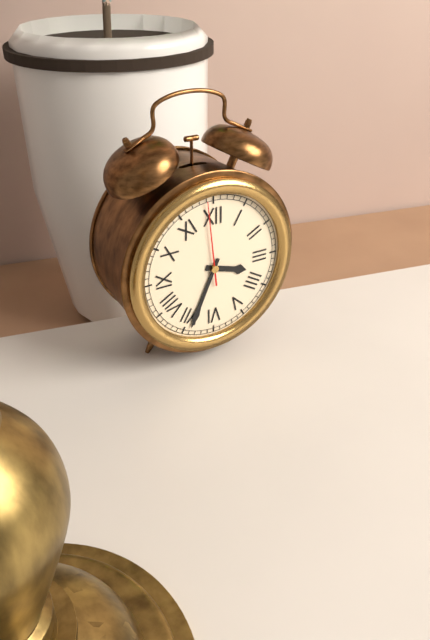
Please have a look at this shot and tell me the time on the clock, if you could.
3:34:59
